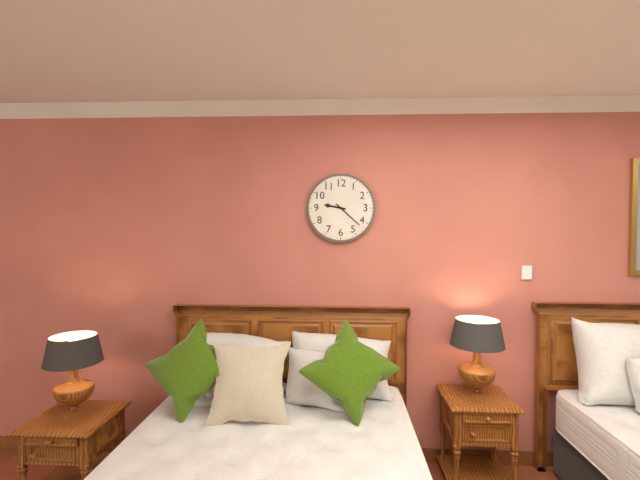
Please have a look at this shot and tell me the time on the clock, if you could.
9:22
